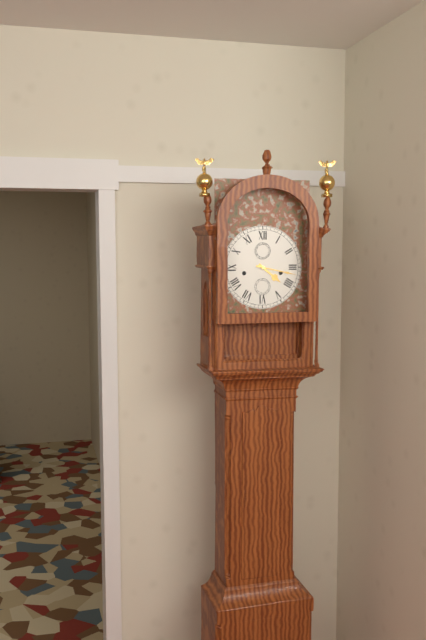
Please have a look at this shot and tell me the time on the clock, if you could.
4:17
